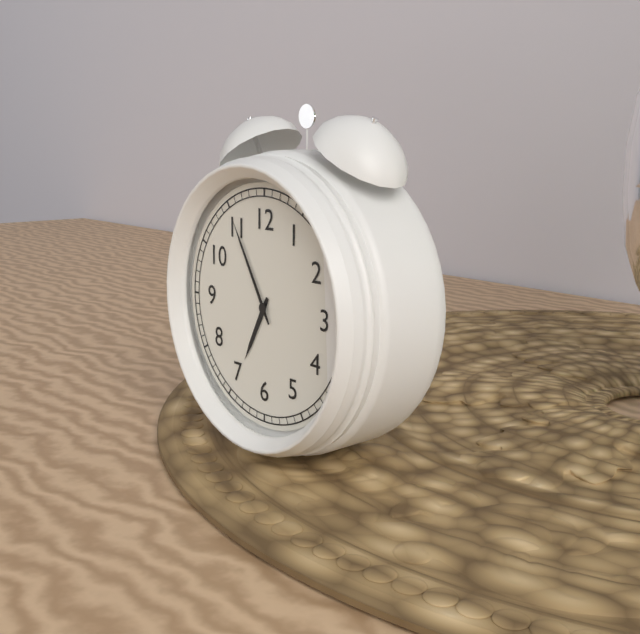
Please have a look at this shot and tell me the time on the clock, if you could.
6:55
